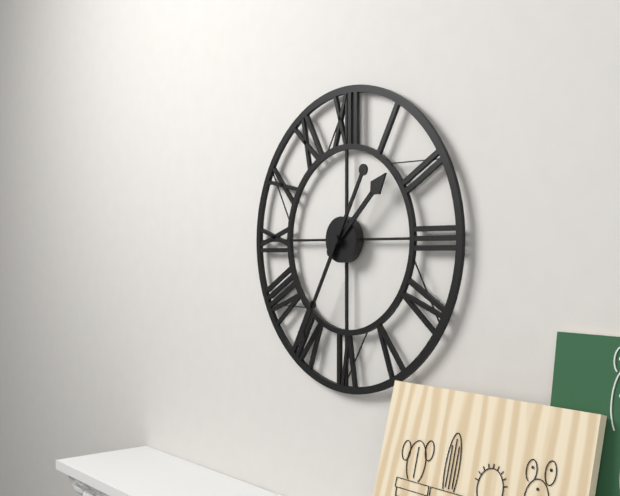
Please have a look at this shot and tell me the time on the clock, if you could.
1:35
